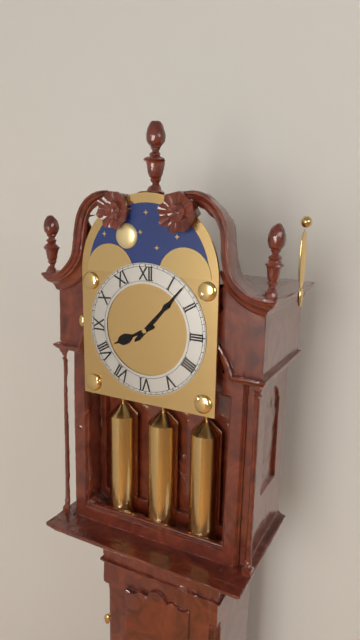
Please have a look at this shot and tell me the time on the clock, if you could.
8:07
